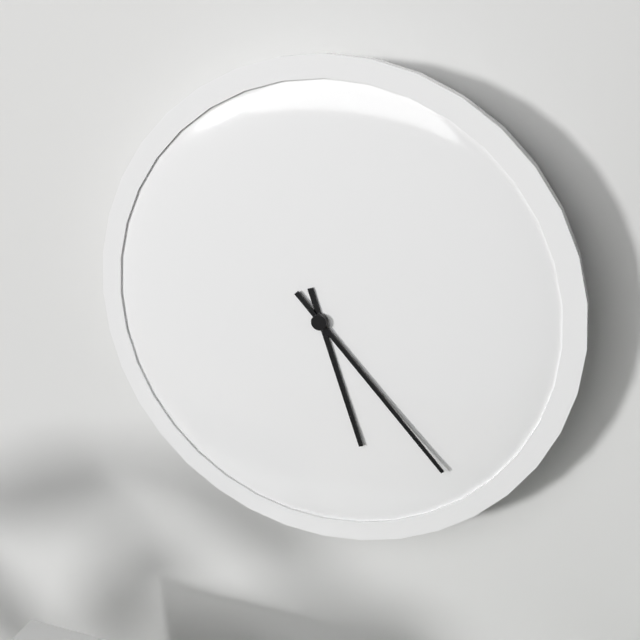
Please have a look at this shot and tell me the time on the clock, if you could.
5:23
